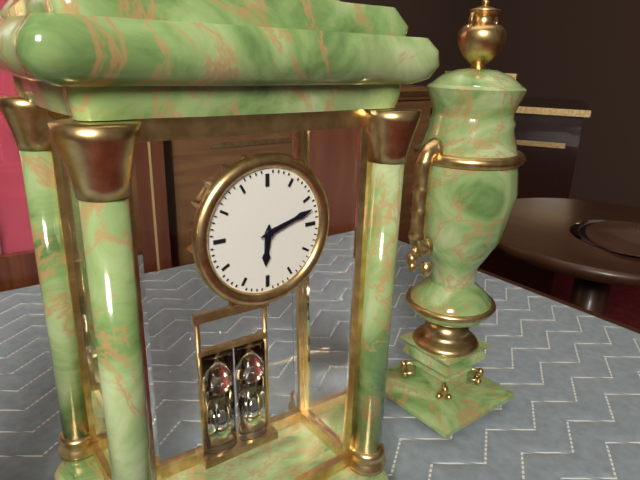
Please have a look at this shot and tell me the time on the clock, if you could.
6:12
